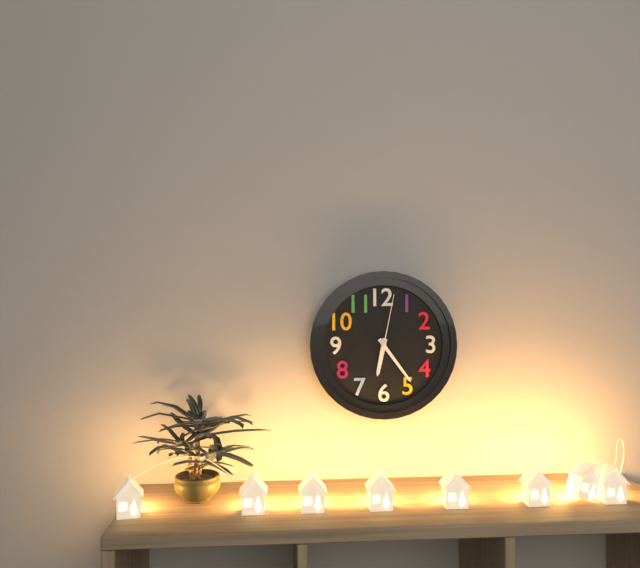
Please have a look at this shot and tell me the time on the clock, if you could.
6:24:02
